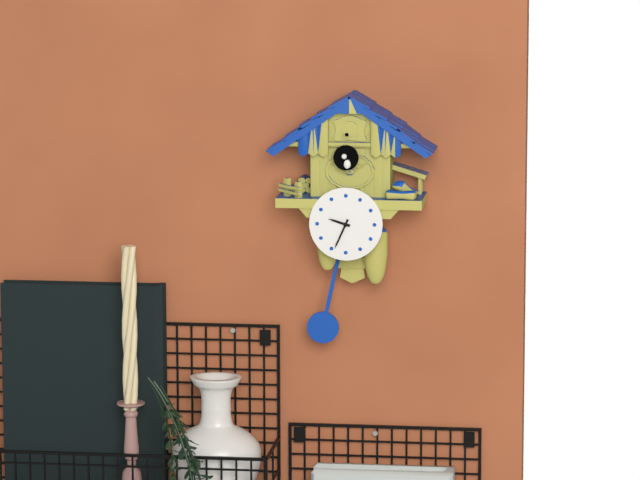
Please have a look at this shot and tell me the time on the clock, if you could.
9:34
